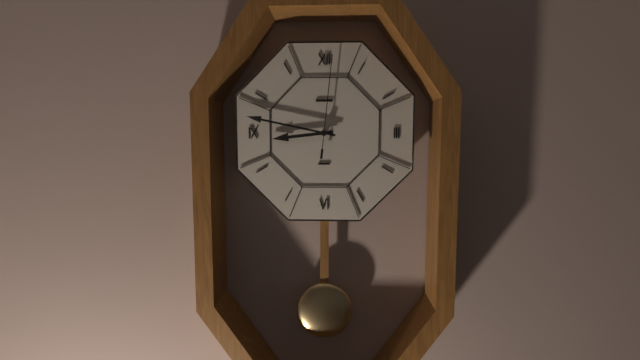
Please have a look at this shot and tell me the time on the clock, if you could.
8:47:01
